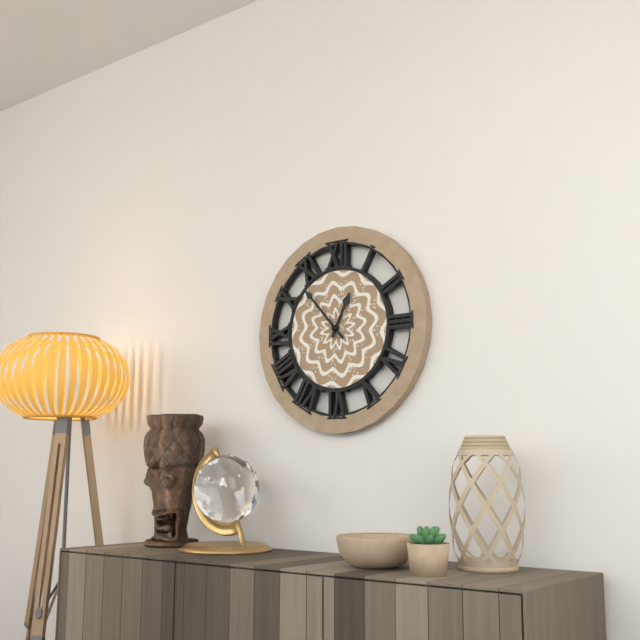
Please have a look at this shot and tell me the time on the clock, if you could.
12:53
